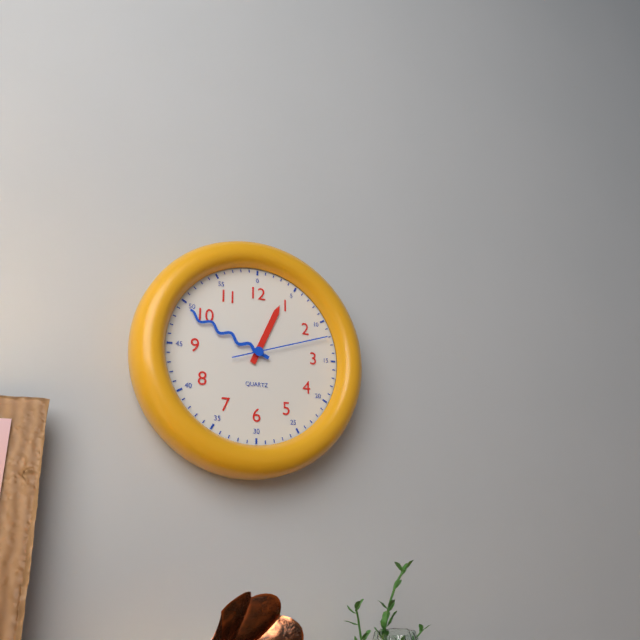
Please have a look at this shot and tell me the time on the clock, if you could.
12:49:12
